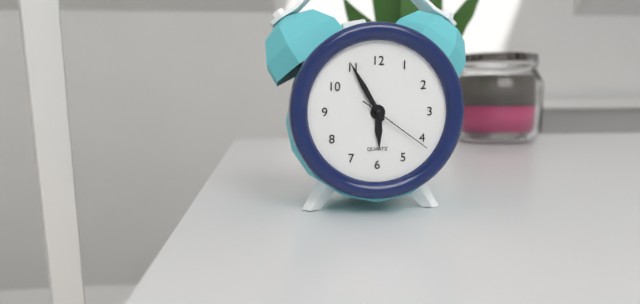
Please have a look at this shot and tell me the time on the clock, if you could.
5:55:21
